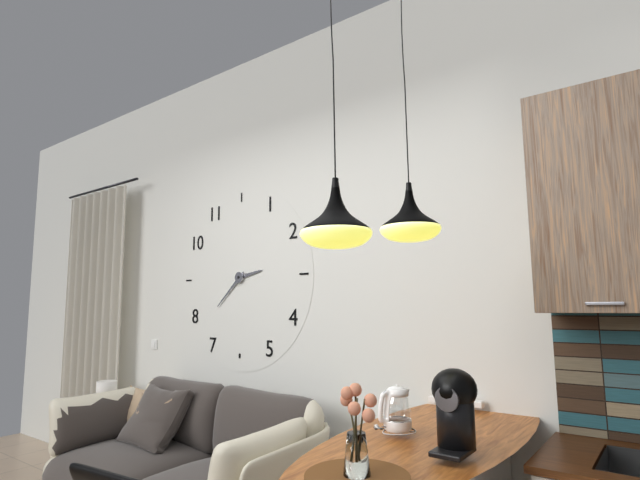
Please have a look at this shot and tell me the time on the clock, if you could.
2:38
